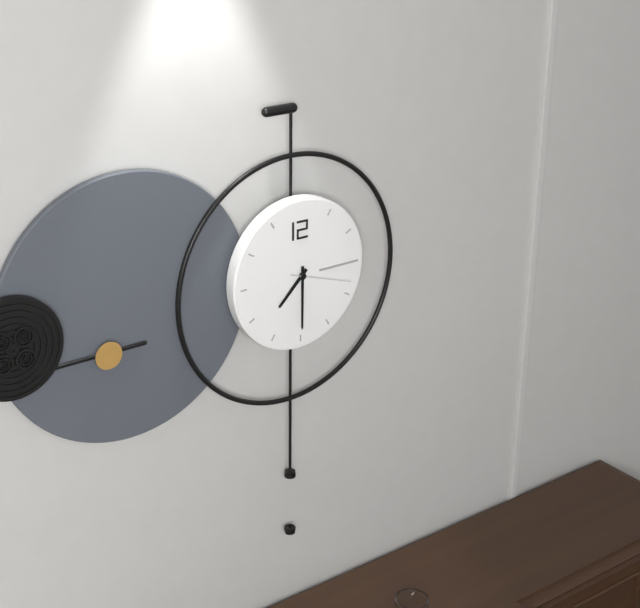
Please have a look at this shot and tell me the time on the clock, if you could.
7:30:18
